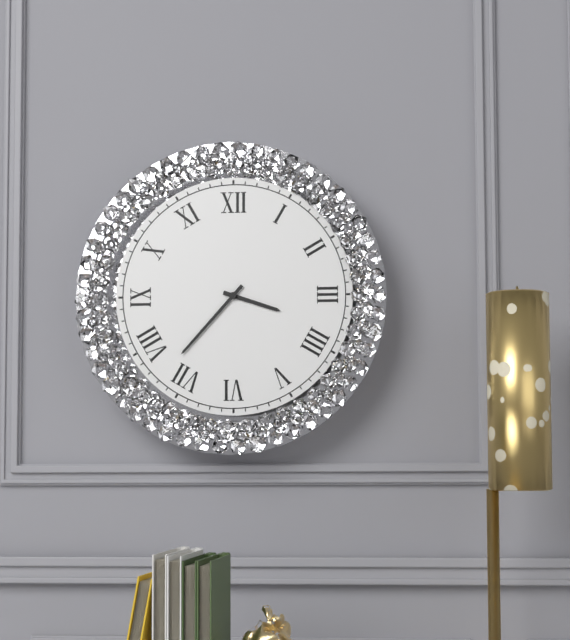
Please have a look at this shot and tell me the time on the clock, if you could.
3:37
